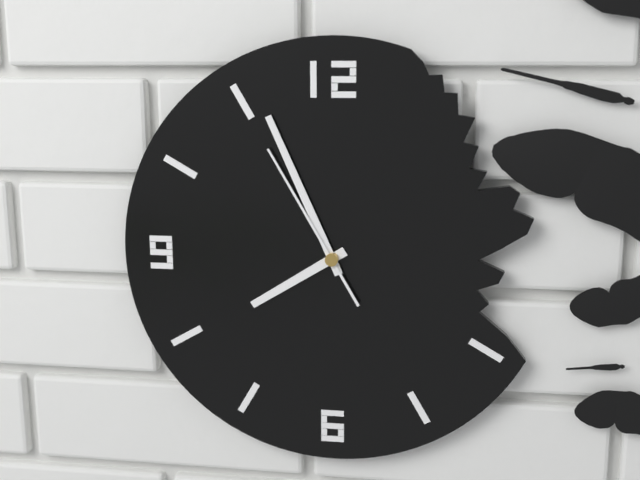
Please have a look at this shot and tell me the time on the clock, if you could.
7:56:55
